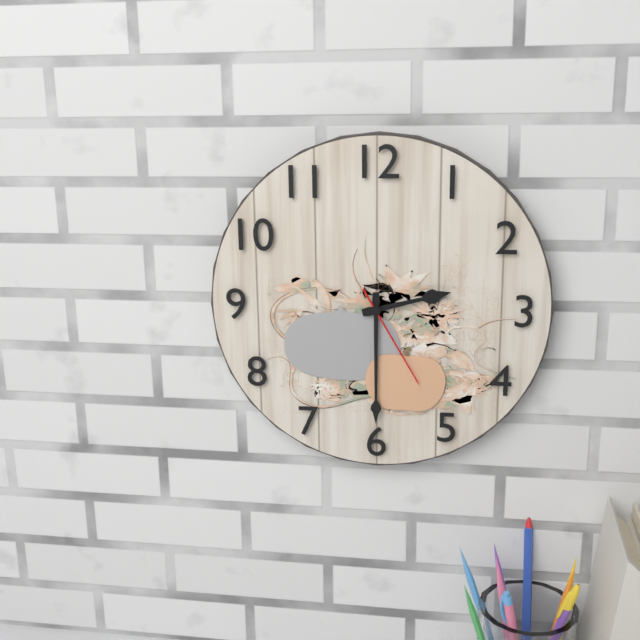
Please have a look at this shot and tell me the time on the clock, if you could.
2:30:25
